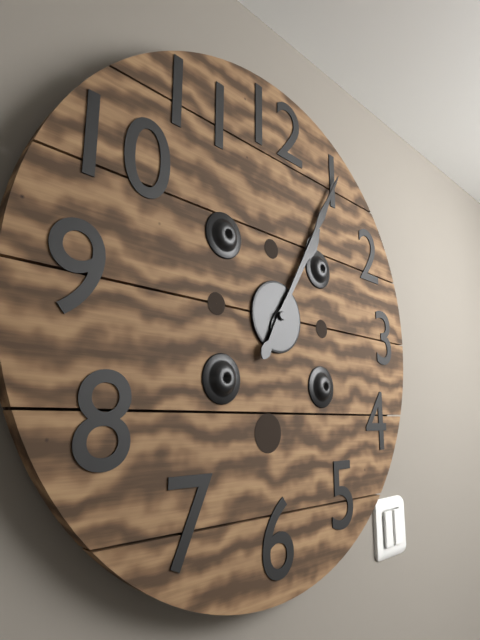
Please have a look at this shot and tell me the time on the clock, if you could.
1:05
